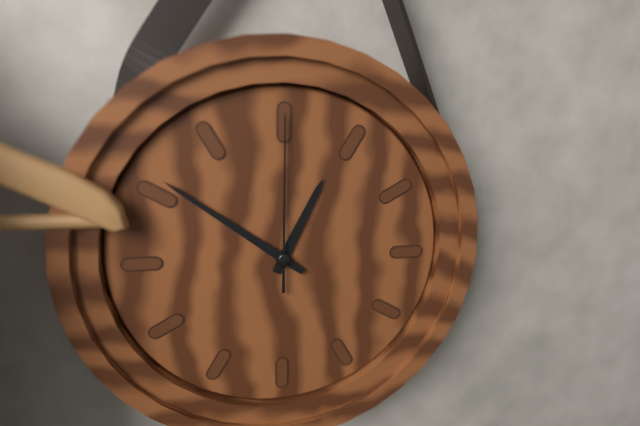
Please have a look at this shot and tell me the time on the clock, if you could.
12:51:00
